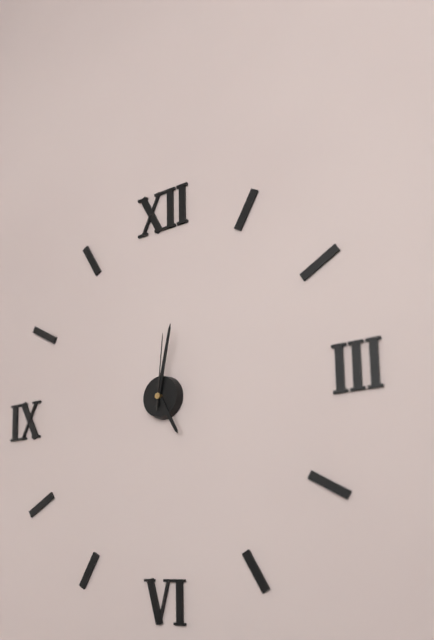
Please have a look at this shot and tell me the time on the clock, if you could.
5:02:01
